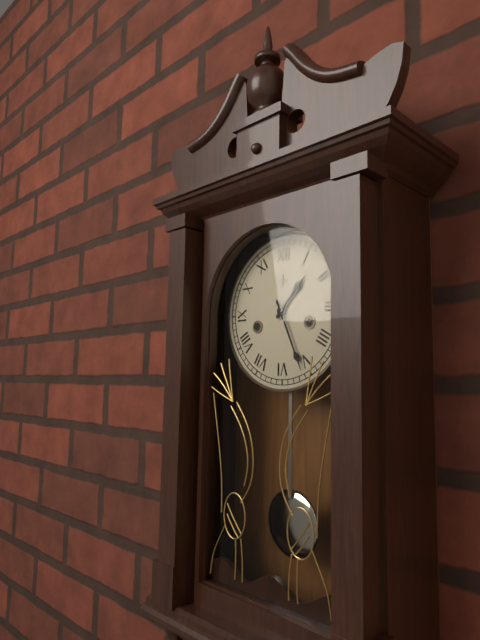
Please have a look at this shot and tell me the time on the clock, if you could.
1:26
